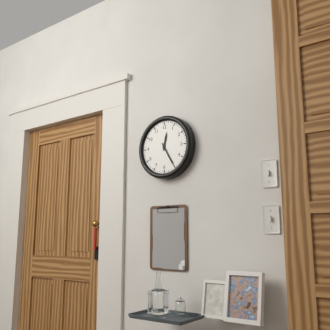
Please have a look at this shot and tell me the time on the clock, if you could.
12:25
